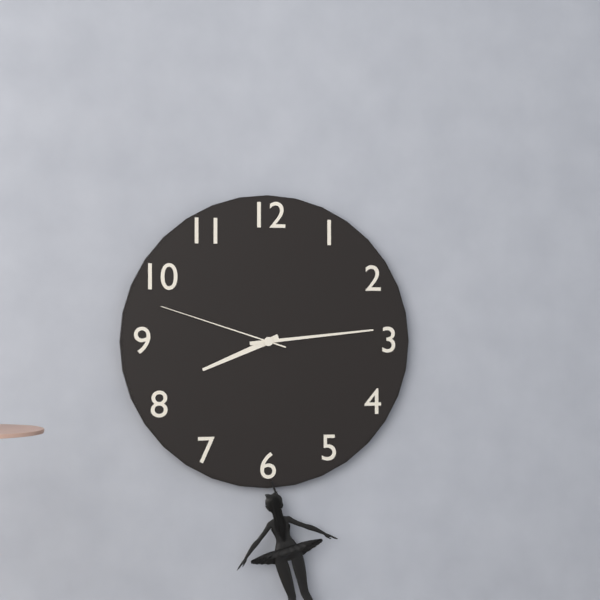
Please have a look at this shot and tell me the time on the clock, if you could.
8:14:48
